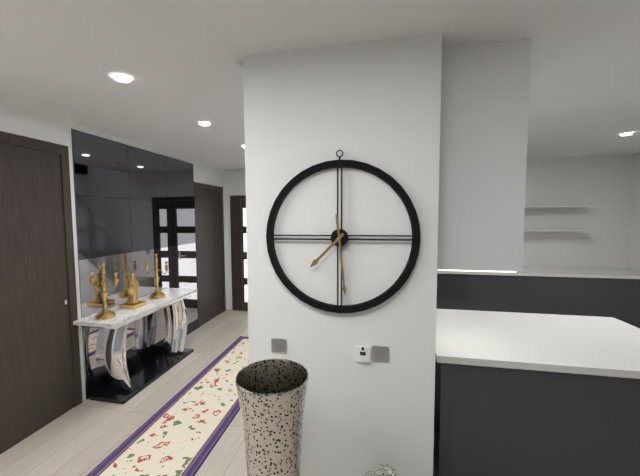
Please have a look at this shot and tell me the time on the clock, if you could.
7:29
